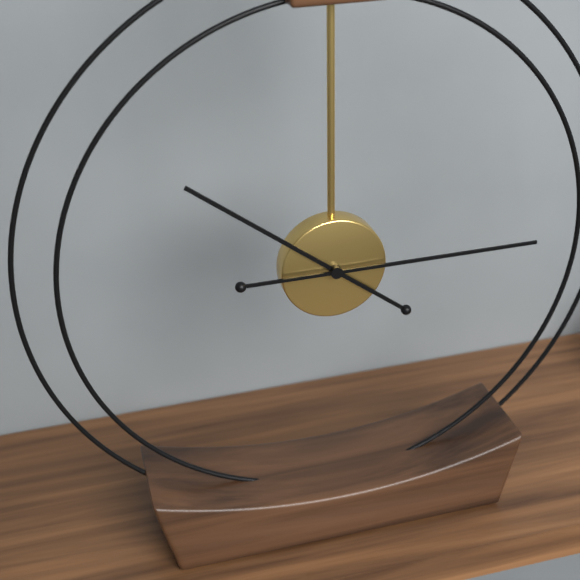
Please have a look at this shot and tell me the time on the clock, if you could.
10:15
